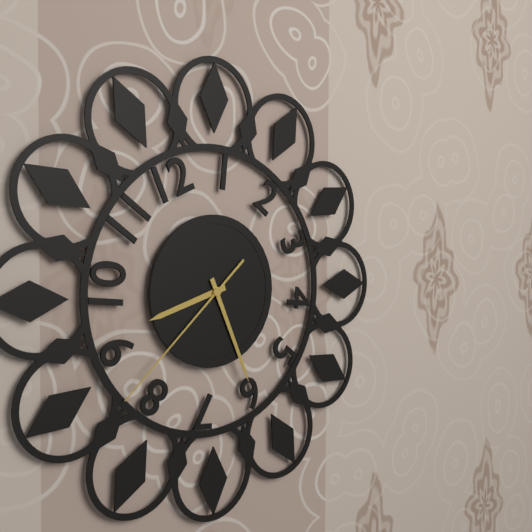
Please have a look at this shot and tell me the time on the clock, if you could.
8:26:38
